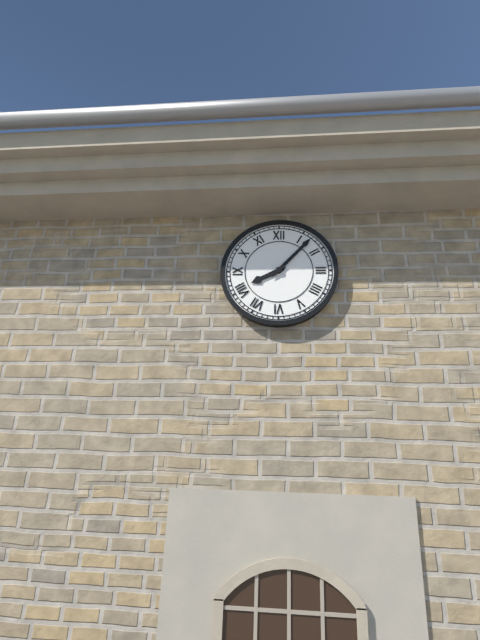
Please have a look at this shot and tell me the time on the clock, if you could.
8:07
